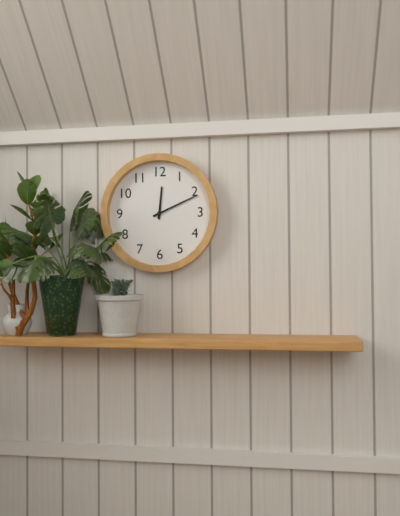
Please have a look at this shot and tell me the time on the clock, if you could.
12:11
